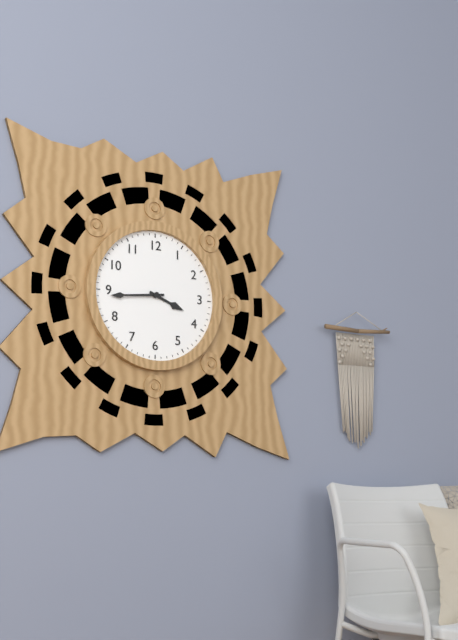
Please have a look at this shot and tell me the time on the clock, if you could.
3:44
